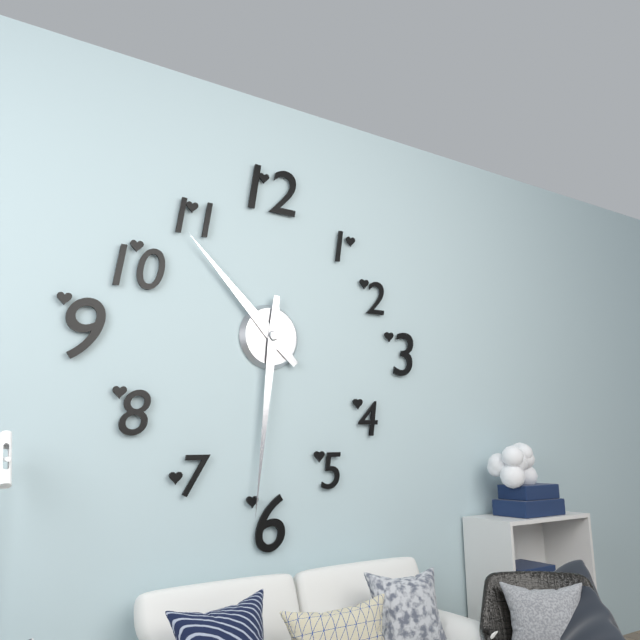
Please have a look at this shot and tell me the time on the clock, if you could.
10:31
